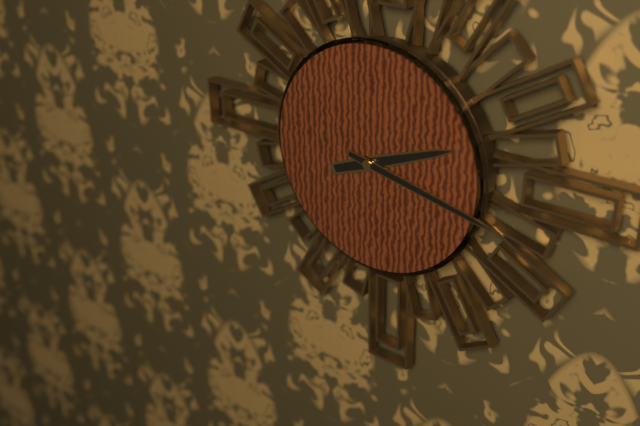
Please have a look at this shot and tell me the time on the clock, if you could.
2:17
